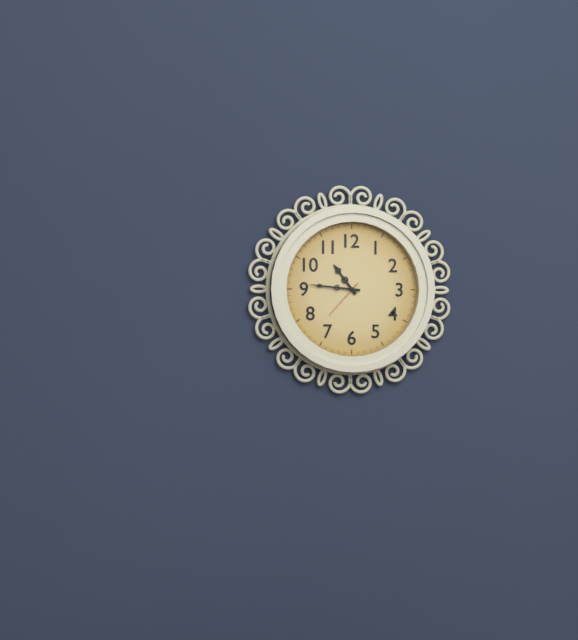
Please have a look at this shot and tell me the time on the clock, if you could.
10:46
